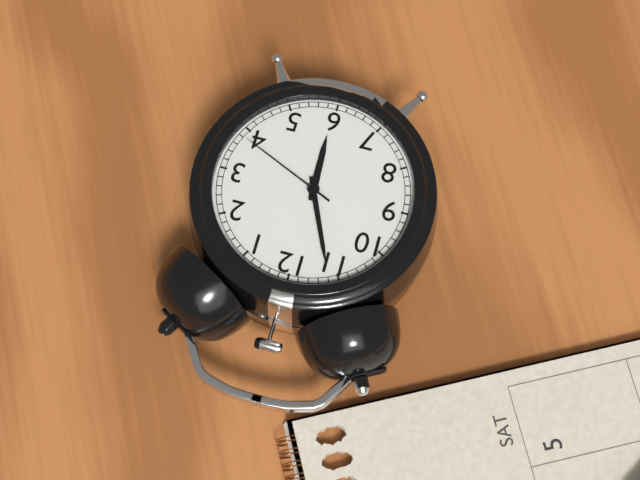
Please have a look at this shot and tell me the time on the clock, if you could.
5:56:19
